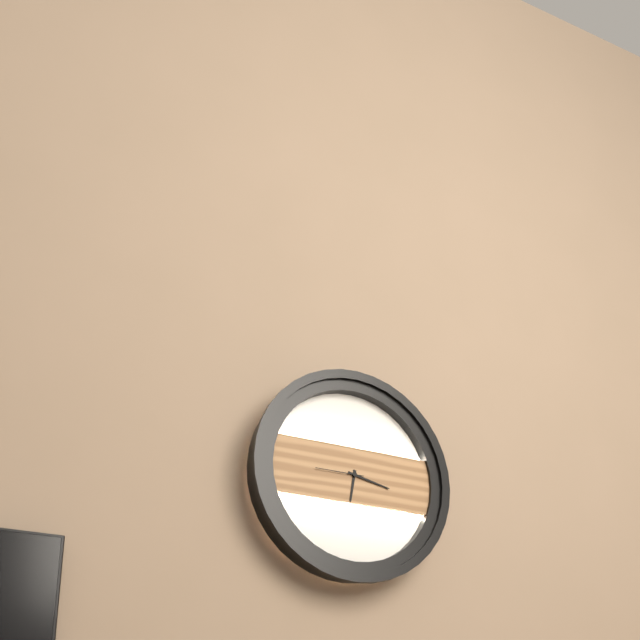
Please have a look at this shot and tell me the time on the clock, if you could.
6:17
